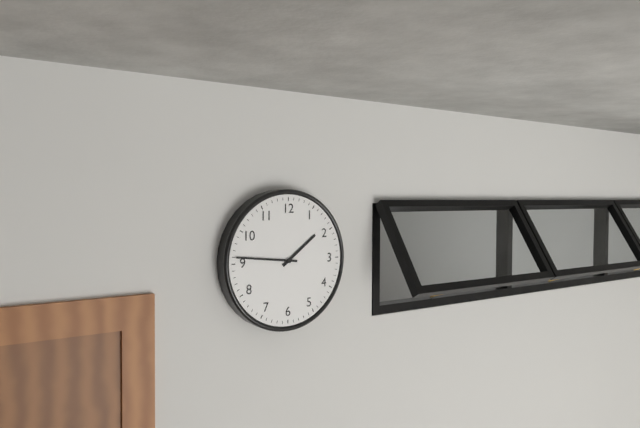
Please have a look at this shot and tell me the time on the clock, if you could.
1:46
